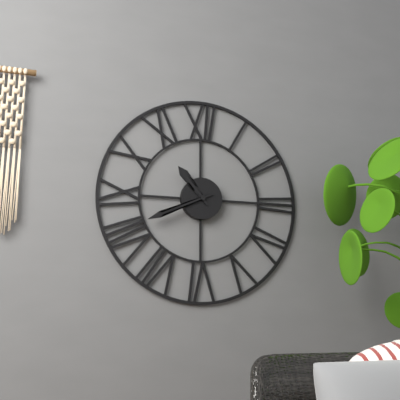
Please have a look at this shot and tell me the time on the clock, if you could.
10:41
